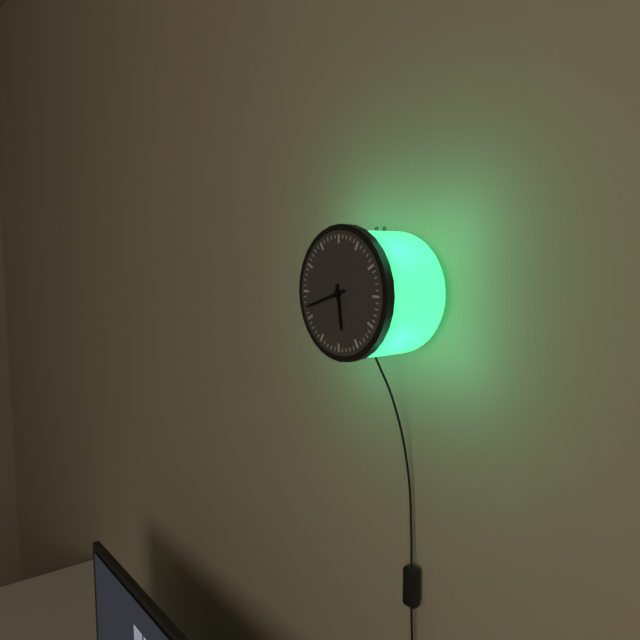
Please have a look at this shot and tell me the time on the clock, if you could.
5:42
